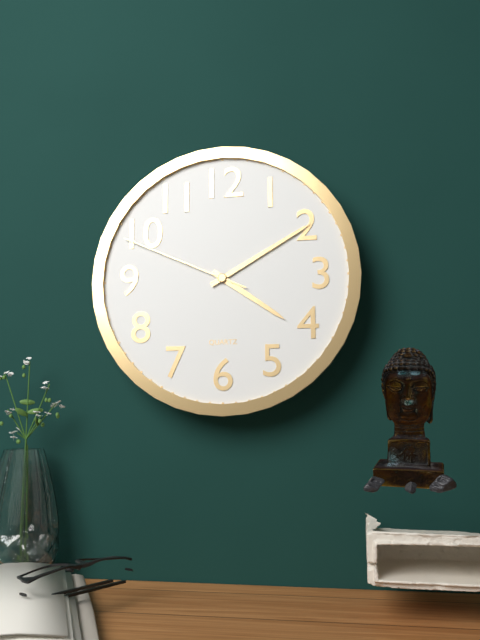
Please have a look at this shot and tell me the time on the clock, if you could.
4:10:49
